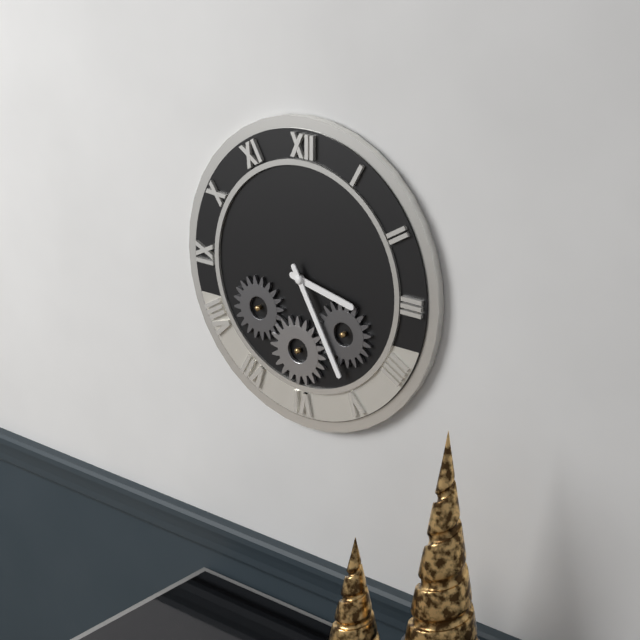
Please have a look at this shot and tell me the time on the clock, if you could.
3:25
